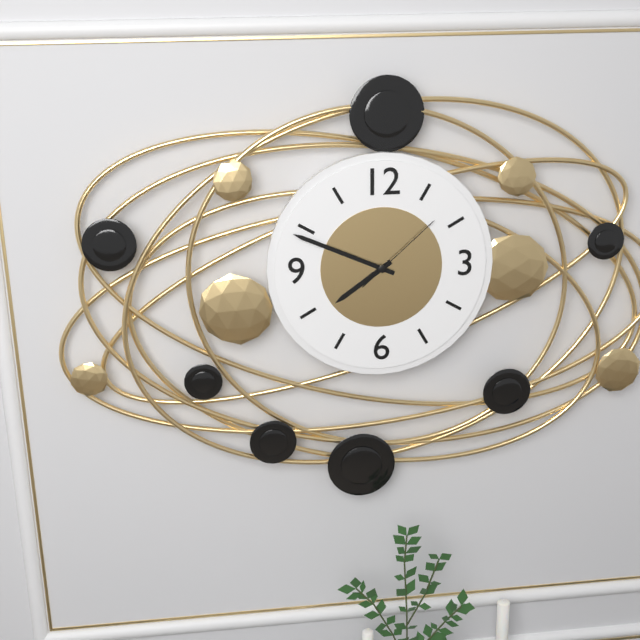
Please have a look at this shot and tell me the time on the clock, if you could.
7:49:08
